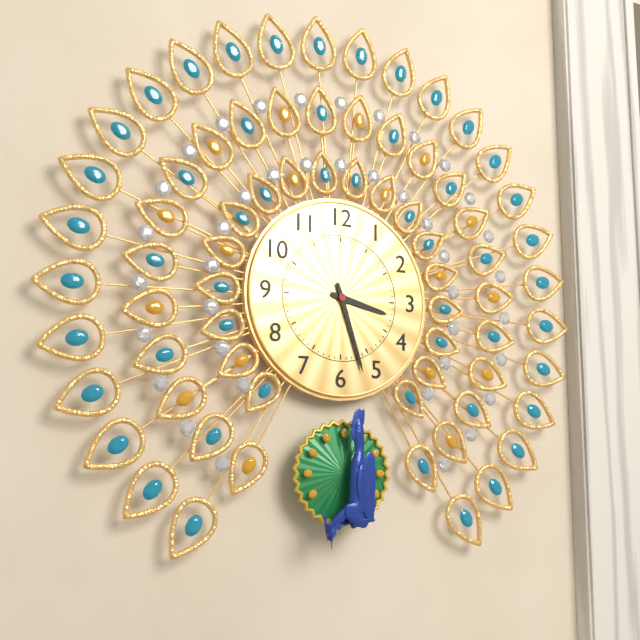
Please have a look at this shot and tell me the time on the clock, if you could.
3:27
